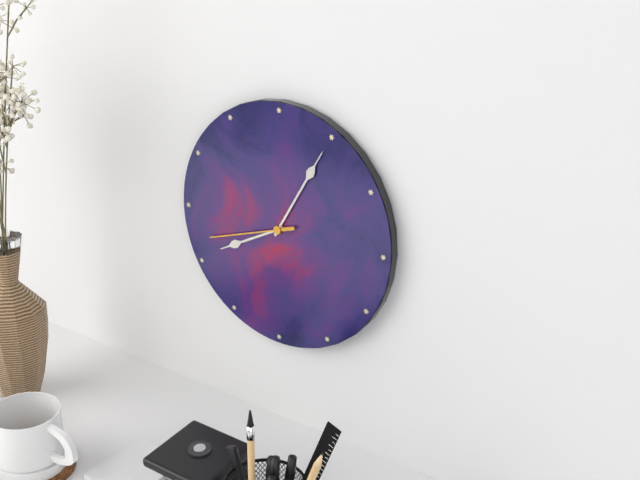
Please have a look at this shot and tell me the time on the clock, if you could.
8:05:42
